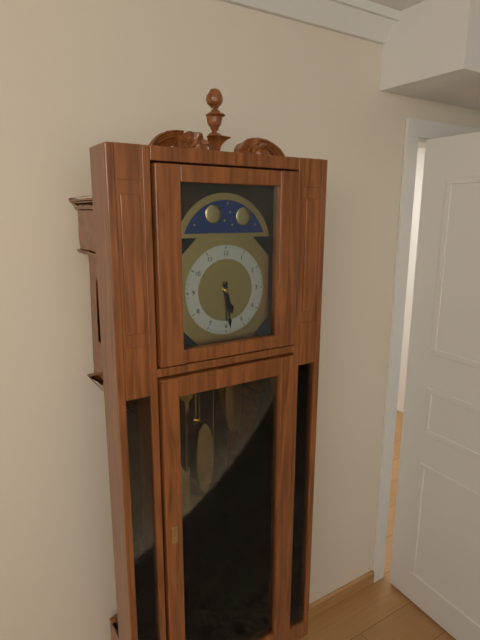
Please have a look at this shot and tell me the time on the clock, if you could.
5:29
